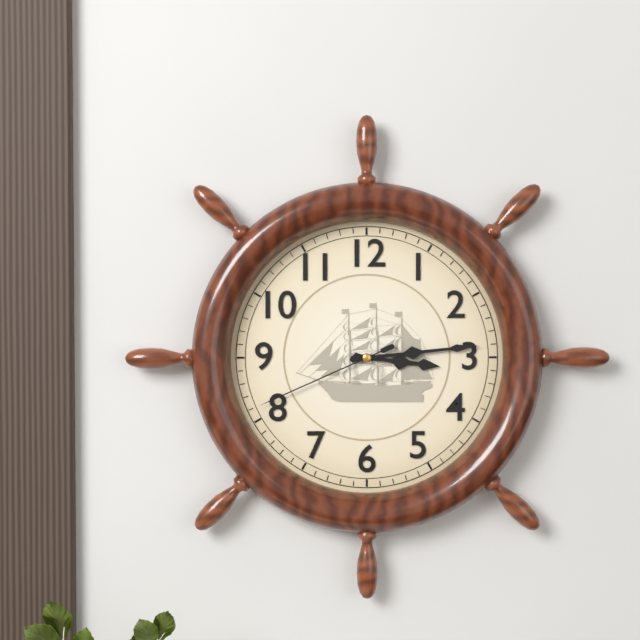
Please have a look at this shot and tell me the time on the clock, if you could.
3:14:41
